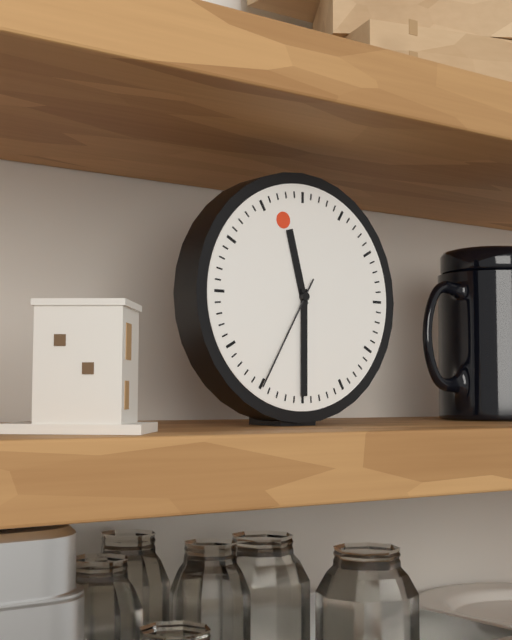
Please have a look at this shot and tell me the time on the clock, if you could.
11:30:35
